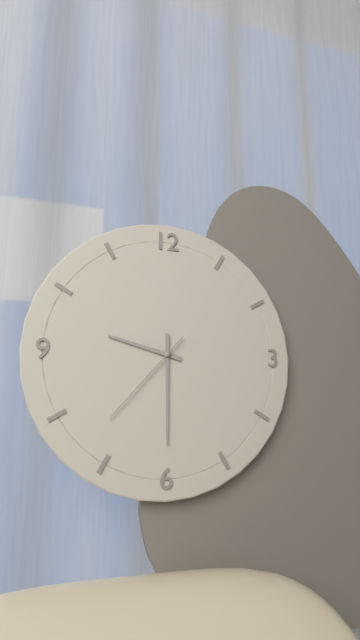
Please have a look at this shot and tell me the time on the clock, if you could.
9:30:37
